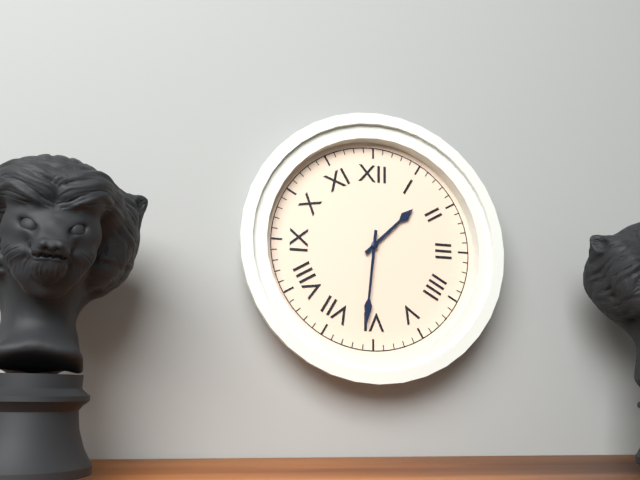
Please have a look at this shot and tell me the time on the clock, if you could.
1:31
